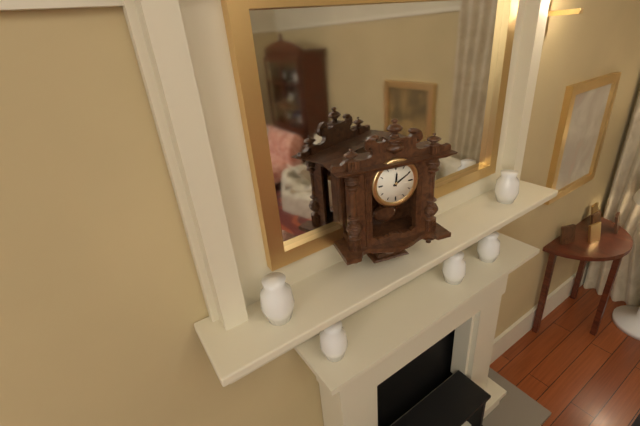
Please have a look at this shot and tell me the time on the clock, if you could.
12:10
